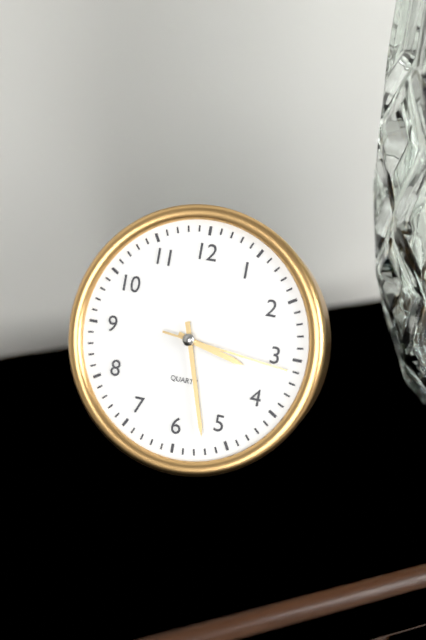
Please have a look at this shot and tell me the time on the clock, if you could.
3:27:16
